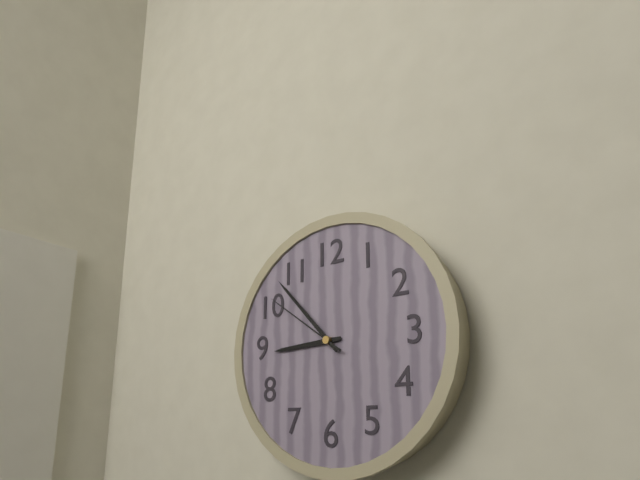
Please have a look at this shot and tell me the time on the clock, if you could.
8:53:51
